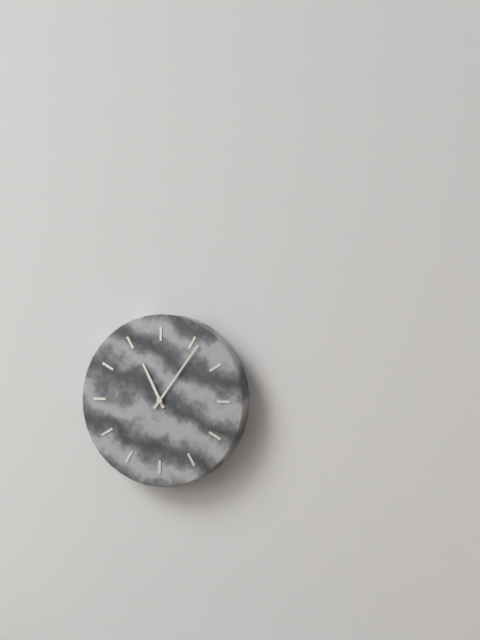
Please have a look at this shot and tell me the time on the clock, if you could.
11:06
